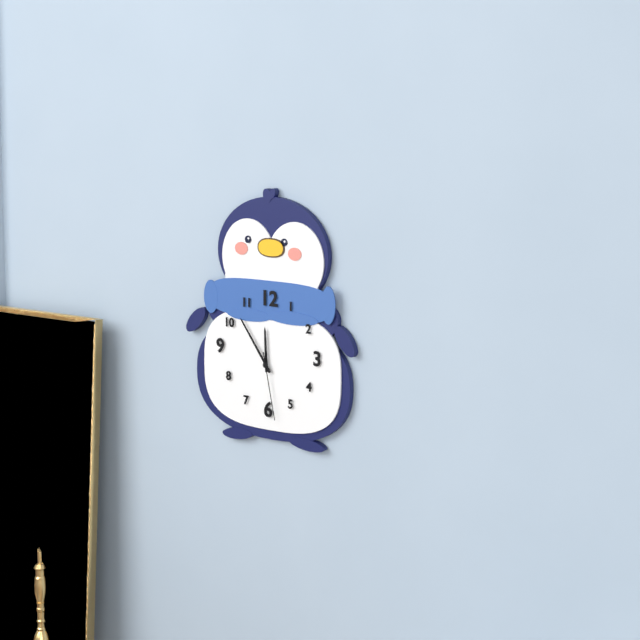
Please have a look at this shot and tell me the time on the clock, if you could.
11:54:28
